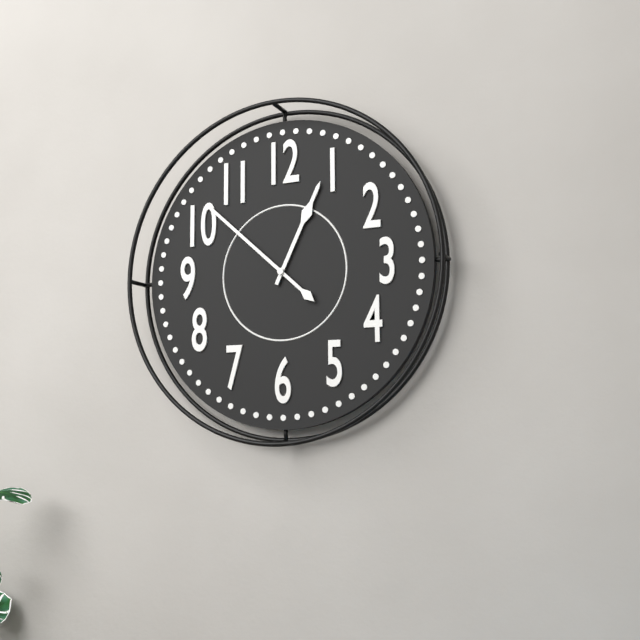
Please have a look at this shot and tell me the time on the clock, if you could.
12:52
